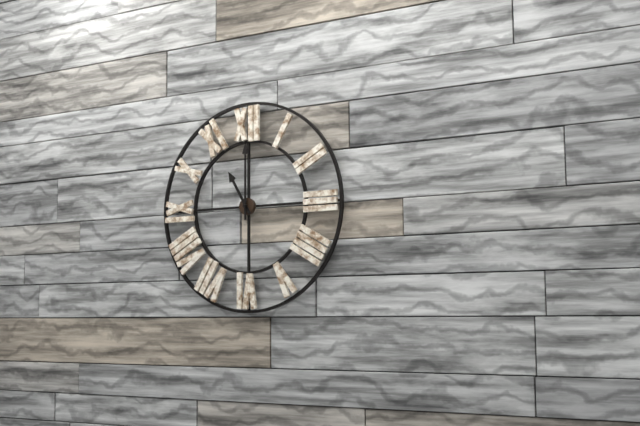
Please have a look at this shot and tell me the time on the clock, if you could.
11:00
